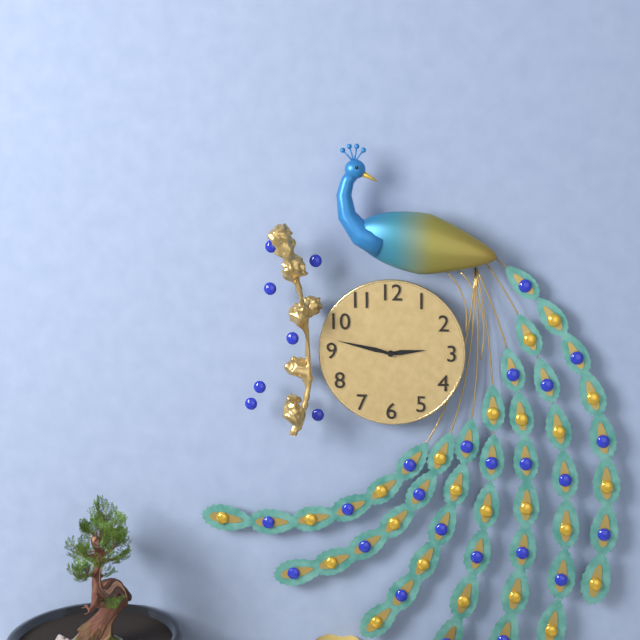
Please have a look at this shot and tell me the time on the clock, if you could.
2:47
